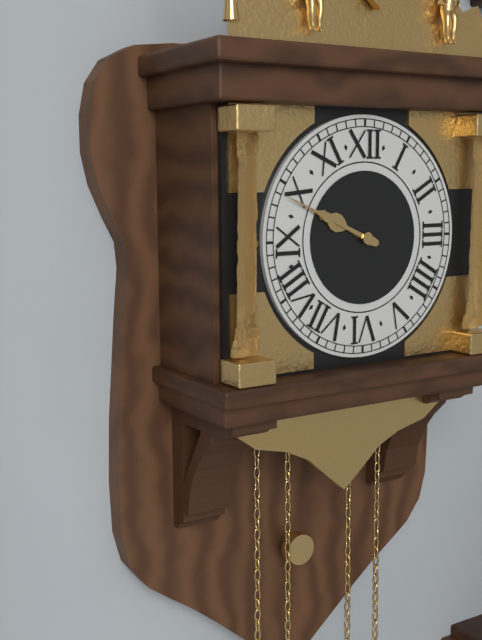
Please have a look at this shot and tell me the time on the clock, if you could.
9:49
